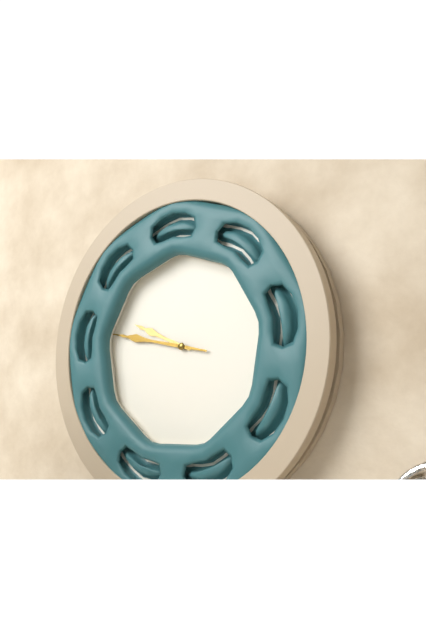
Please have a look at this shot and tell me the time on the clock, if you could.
9:47
